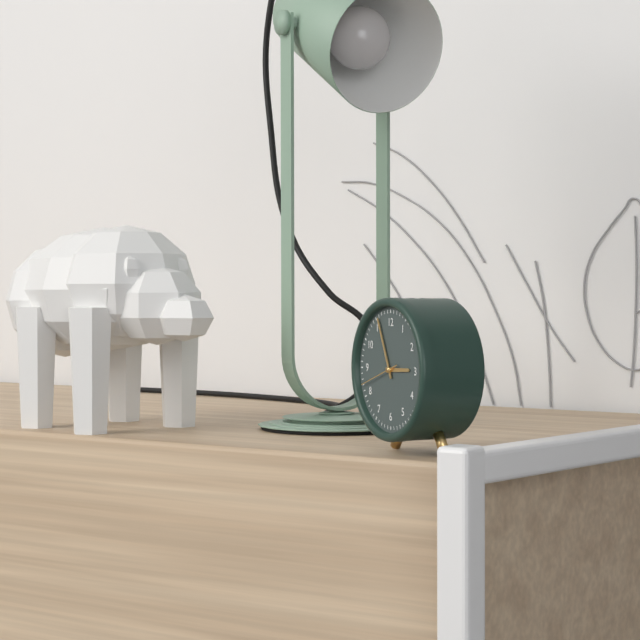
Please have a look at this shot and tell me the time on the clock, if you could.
2:56
